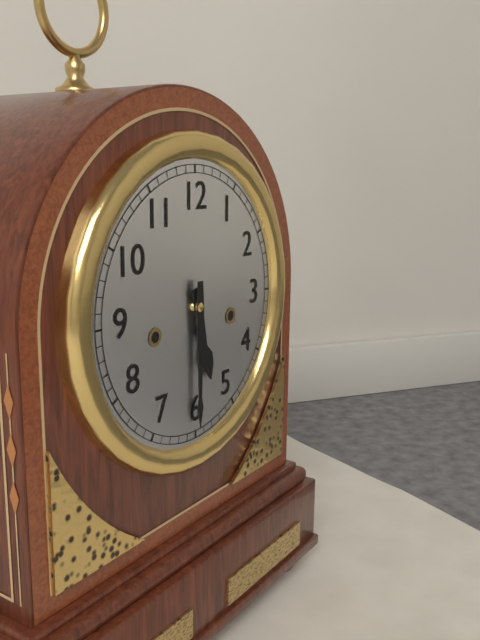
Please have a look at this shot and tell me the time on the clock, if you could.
5:30
